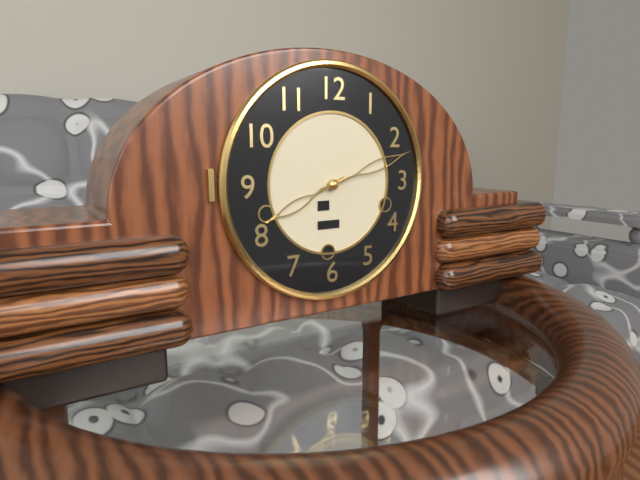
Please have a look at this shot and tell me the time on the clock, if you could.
8:12
